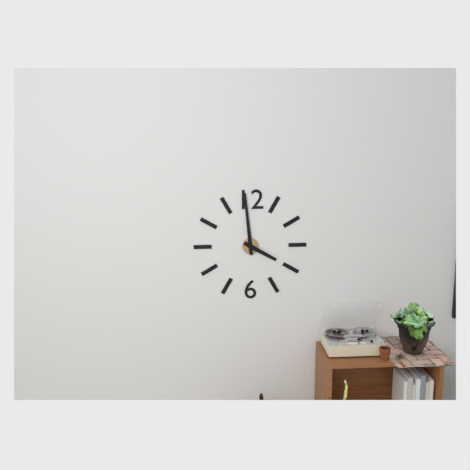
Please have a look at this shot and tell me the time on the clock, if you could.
3:59
